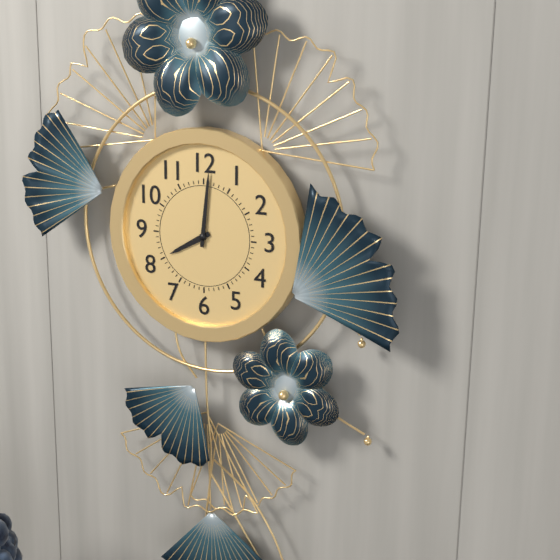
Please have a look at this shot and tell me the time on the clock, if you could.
8:01
